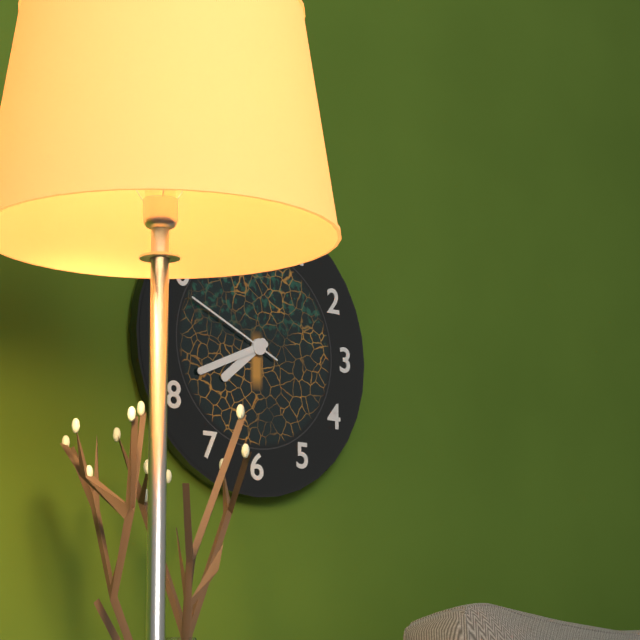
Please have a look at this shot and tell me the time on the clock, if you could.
7:41:49
